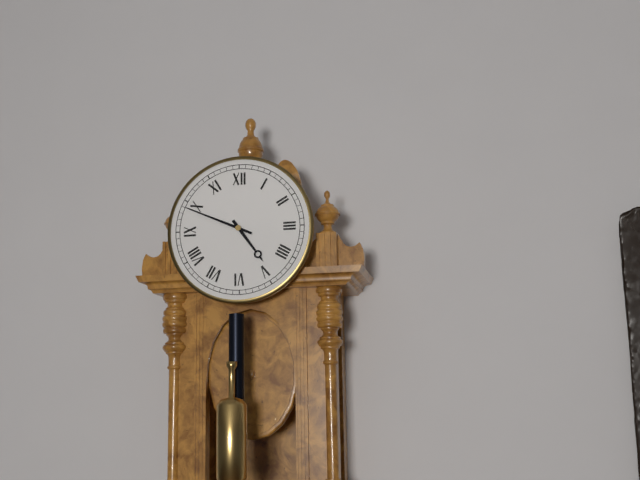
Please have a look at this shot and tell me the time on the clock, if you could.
4:49
